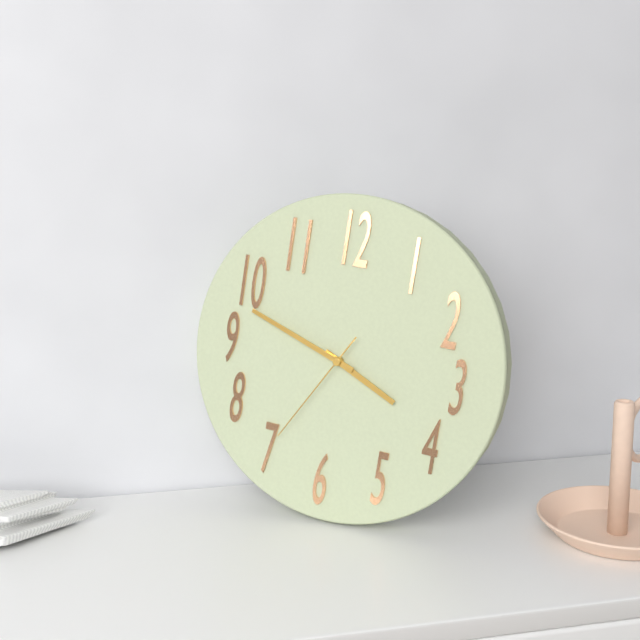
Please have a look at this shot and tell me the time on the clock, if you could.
3:48:35
